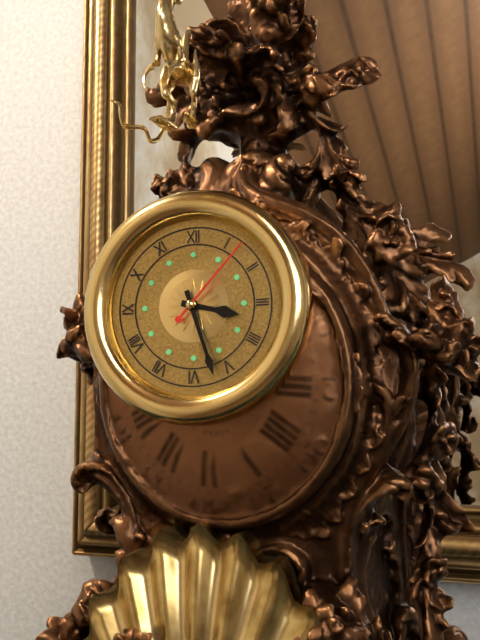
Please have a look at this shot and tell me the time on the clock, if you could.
3:27:07
